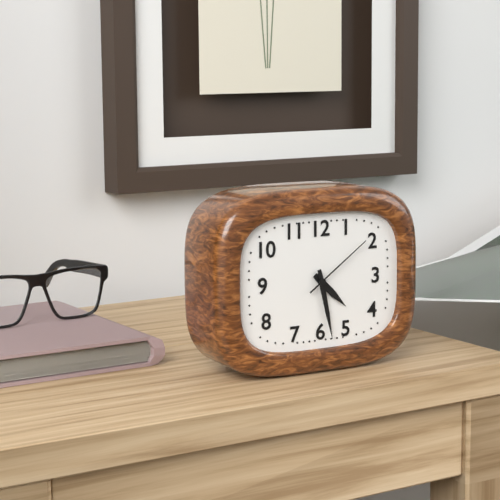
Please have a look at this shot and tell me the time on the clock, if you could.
4:28:09
